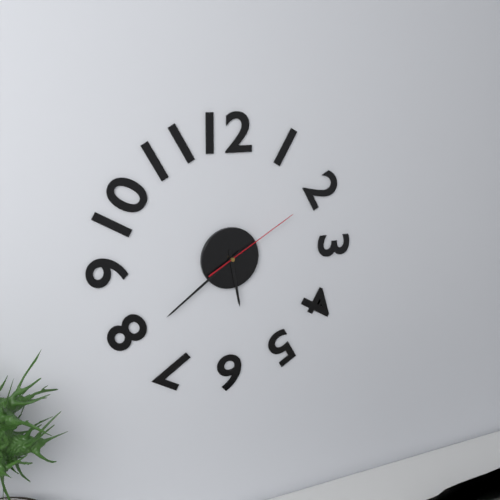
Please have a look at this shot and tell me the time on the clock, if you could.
5:39:10
